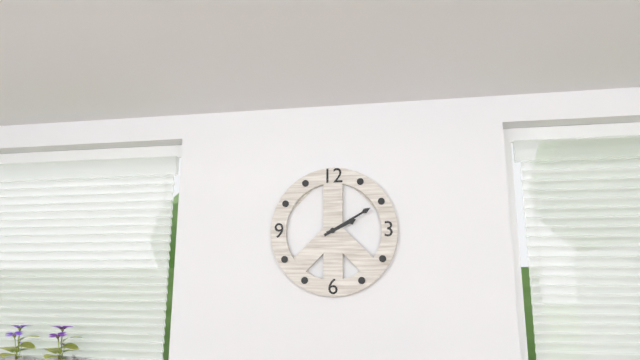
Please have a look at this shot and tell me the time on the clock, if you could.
2:10
